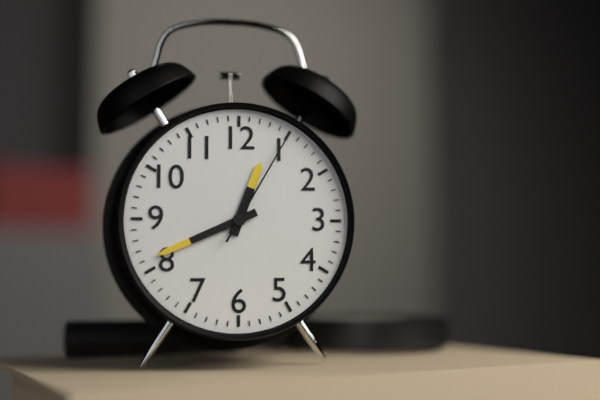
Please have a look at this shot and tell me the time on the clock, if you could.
12:41:05
